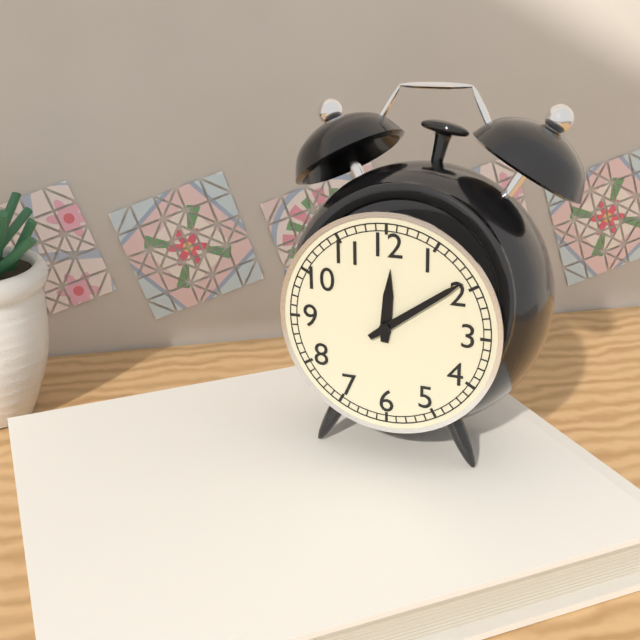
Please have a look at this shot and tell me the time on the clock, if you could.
12:09
